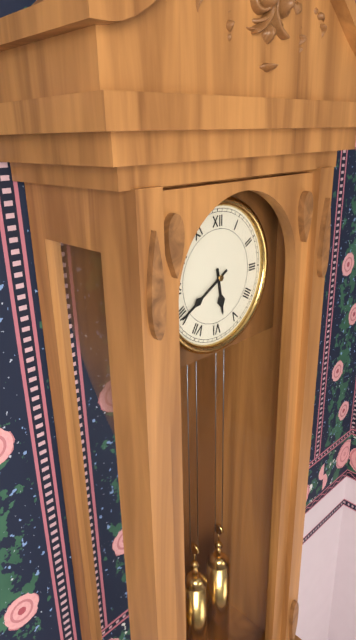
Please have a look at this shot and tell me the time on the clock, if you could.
5:40
